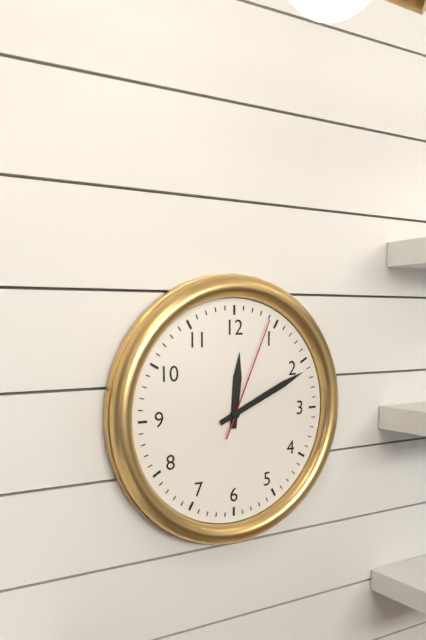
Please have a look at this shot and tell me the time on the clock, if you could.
12:11:04
